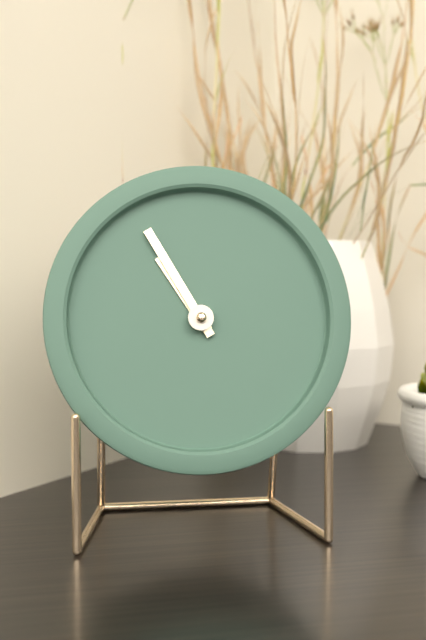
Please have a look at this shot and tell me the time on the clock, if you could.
10:55
